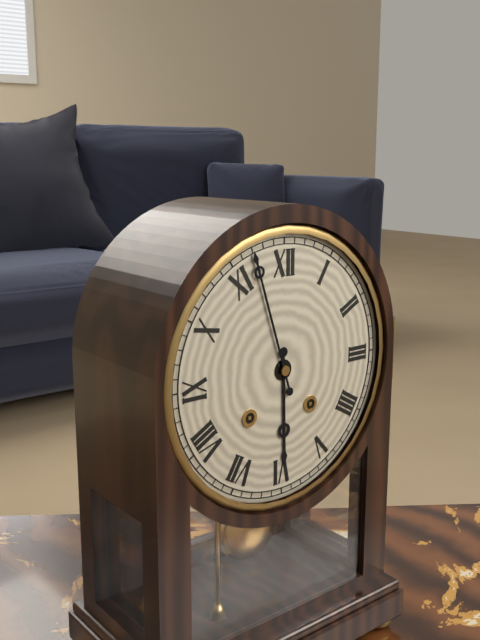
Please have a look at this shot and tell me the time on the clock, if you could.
5:57
